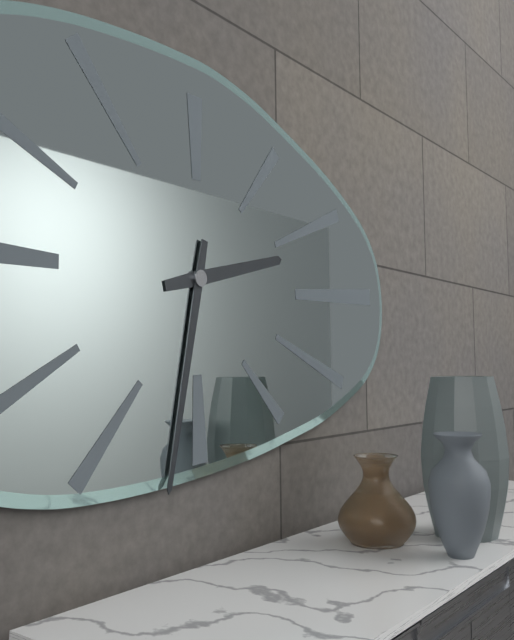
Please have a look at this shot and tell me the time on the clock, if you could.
2:32
